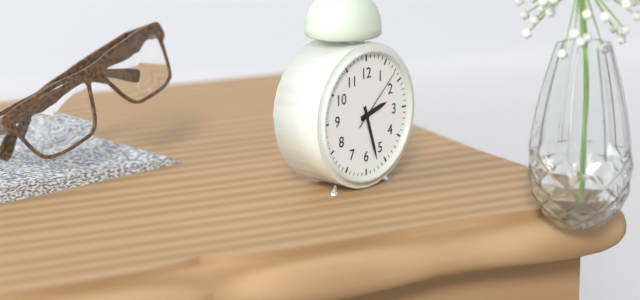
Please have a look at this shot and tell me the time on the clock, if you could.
2:27:08
